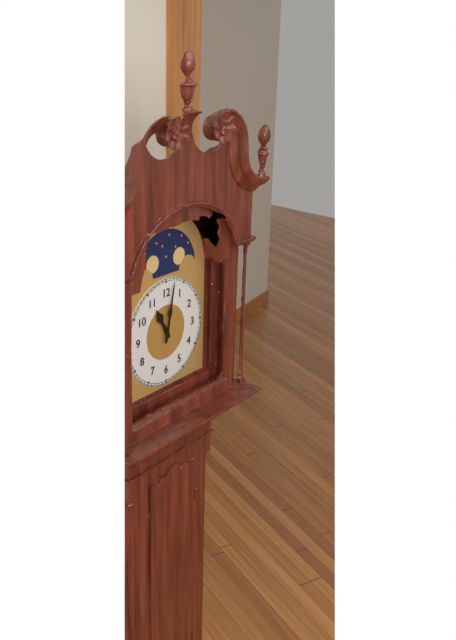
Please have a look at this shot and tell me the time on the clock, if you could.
11:02
